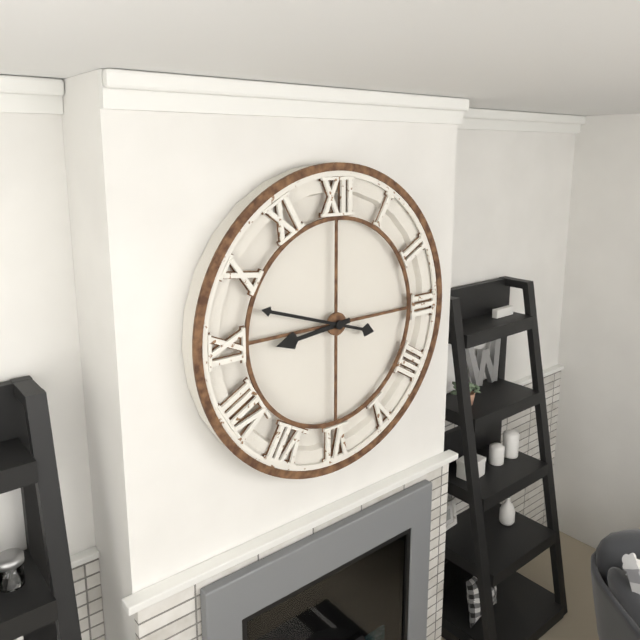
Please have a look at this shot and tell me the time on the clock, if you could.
8:48
